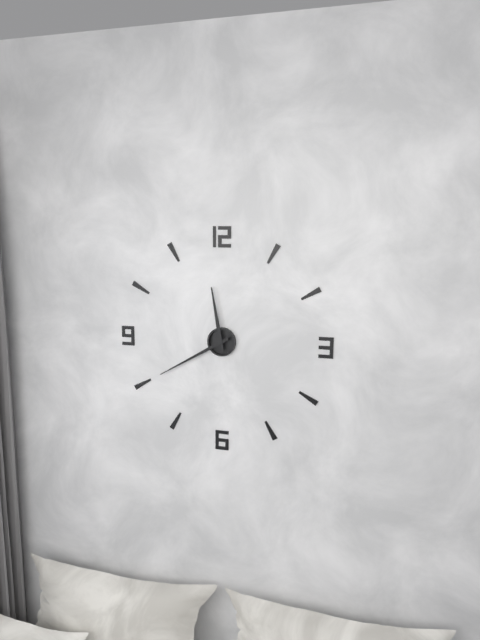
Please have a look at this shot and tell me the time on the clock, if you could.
11:40
